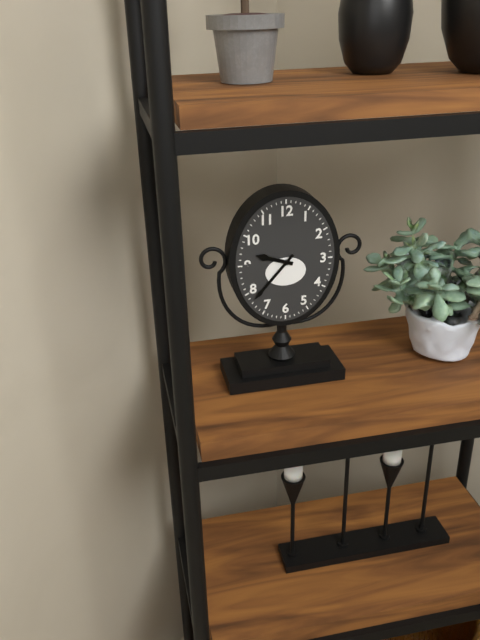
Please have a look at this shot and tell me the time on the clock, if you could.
9:37
